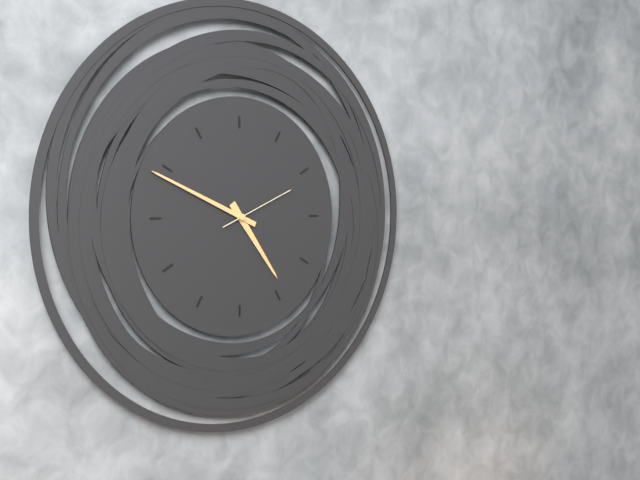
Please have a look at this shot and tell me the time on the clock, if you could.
4:49:11
